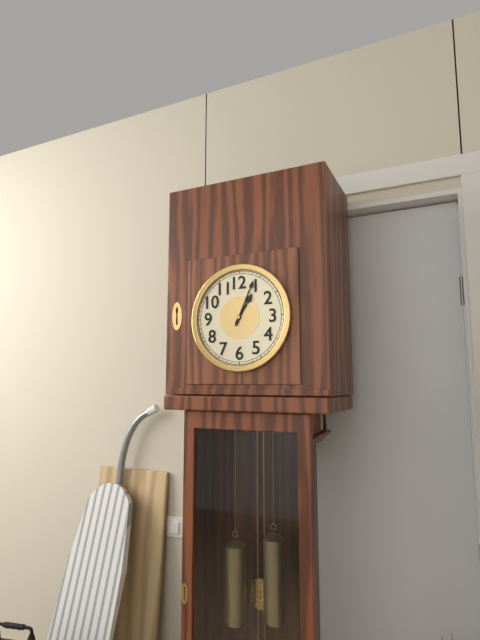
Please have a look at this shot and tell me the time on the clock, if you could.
1:04
